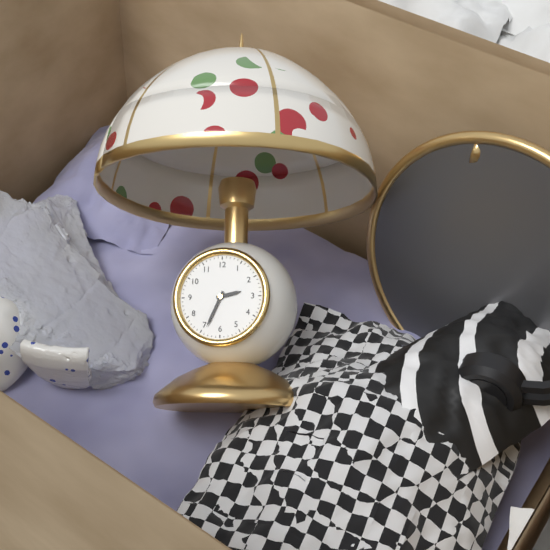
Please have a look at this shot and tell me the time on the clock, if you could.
2:34
